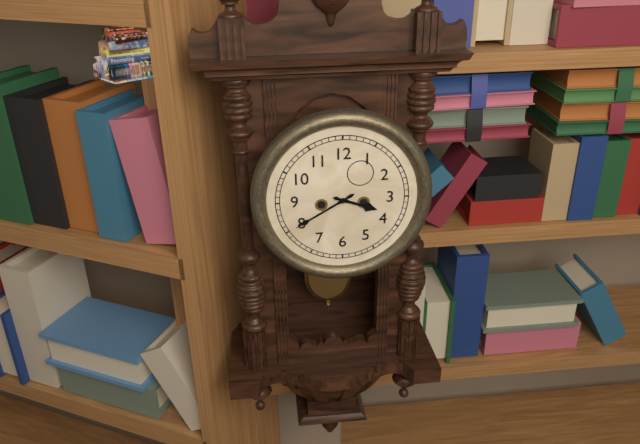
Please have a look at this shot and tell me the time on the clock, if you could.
3:40
